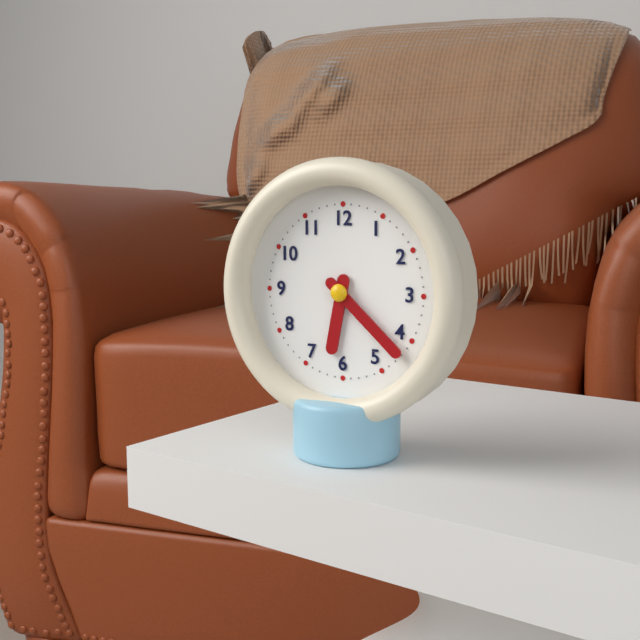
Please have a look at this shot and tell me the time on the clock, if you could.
6:22
